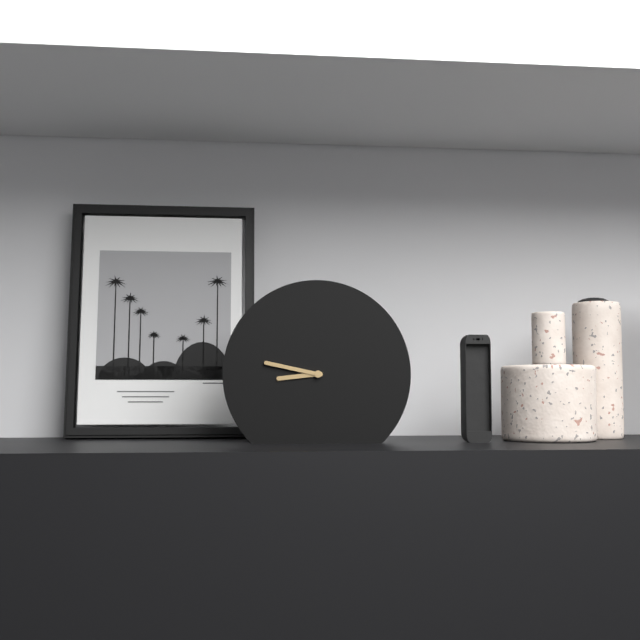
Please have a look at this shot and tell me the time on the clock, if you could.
8:47
